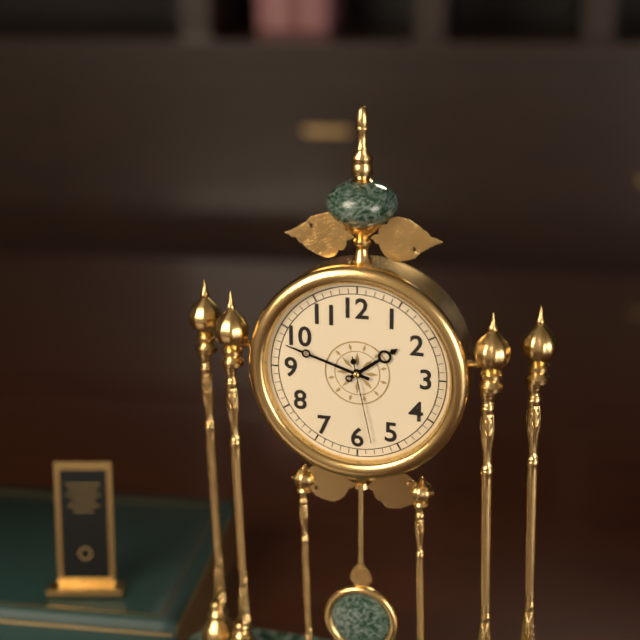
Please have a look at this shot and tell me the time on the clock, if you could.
1:48:28
